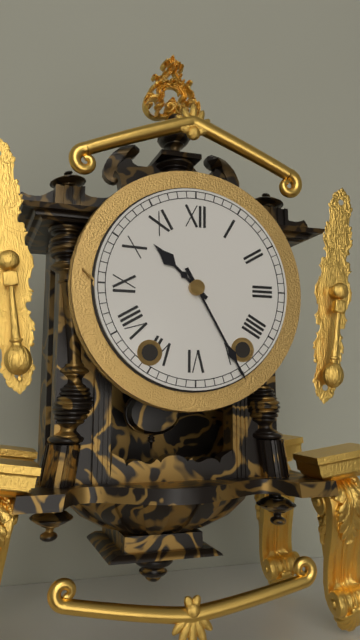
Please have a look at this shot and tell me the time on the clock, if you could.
10:25
